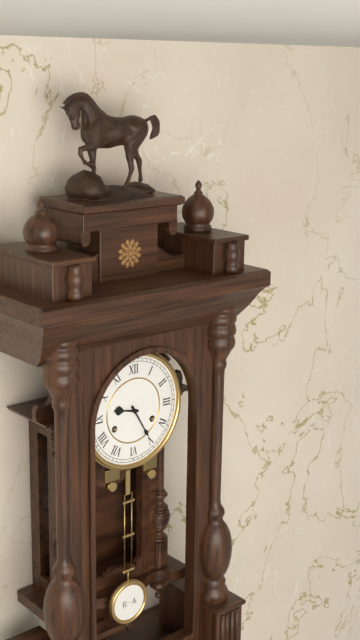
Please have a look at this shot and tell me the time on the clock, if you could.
9:25
